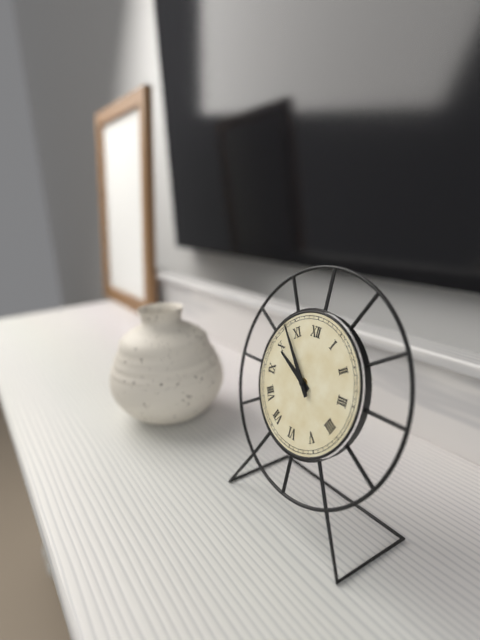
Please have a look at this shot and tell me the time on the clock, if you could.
9:53
